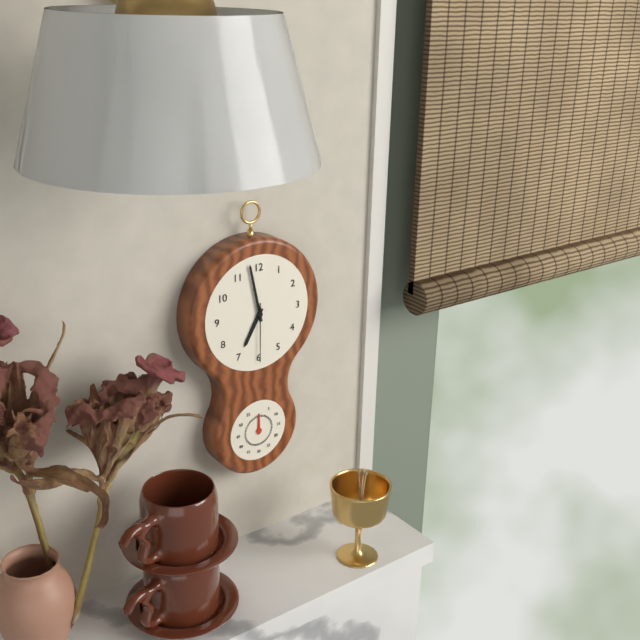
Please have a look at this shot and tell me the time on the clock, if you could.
6:58:30
